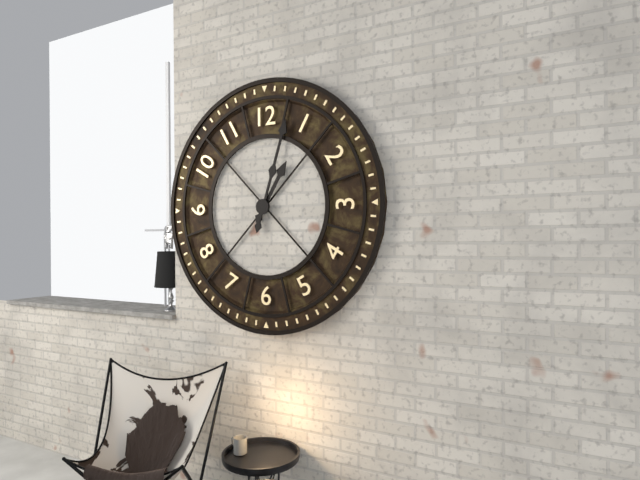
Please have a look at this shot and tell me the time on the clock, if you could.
1:03
